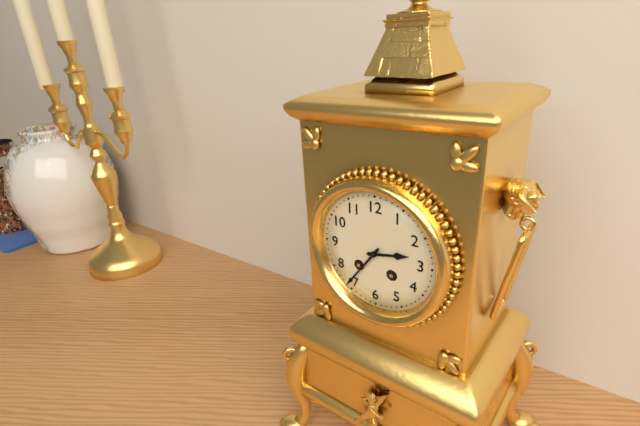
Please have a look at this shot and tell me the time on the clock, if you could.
2:36
